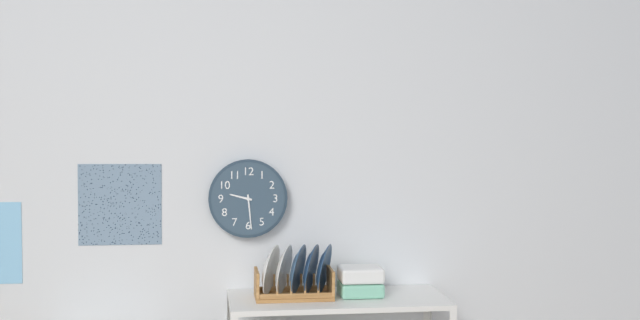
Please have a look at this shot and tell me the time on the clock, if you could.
9:29
